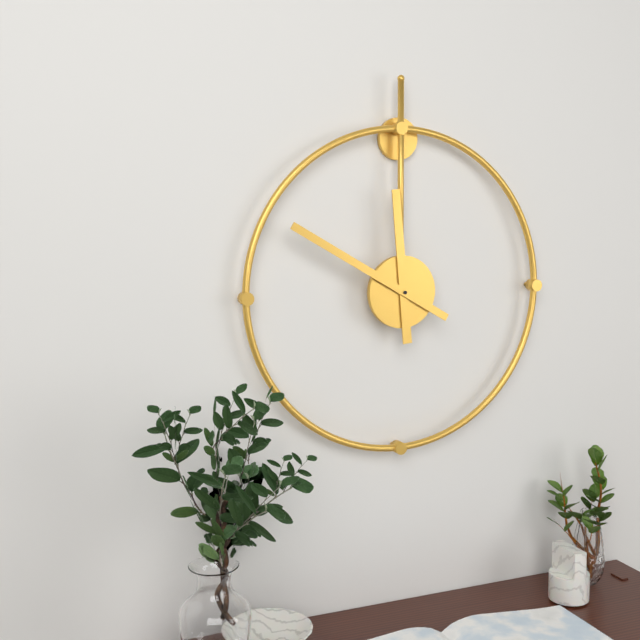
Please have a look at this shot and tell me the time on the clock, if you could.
11:50
